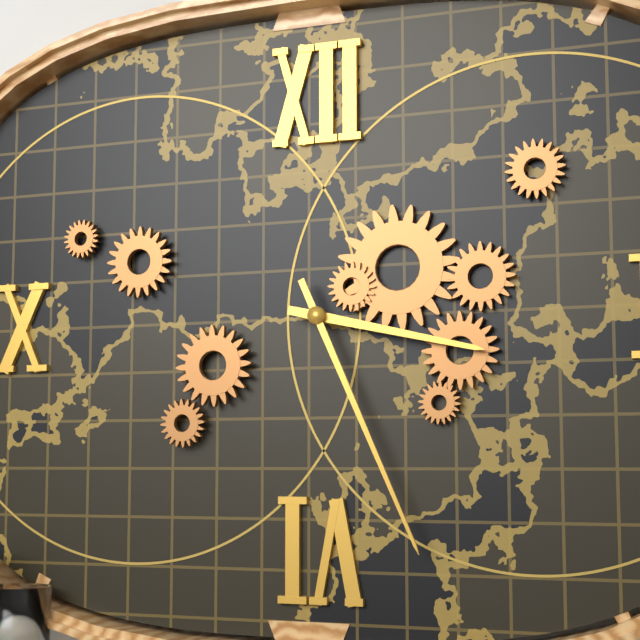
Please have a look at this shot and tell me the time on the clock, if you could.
3:26
